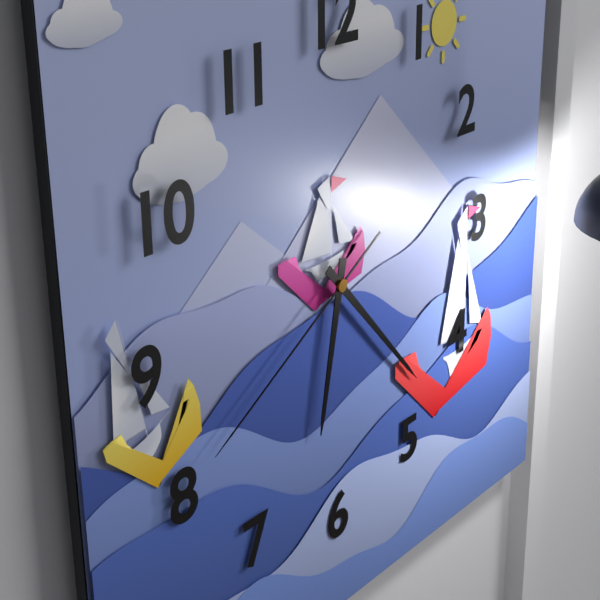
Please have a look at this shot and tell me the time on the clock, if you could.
6:23:40
